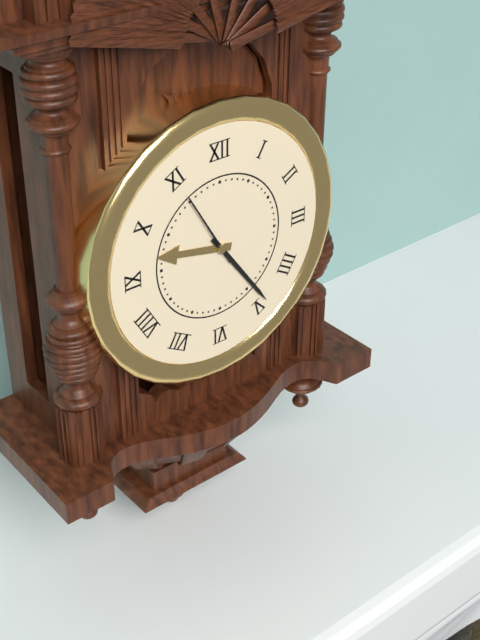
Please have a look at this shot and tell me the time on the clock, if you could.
9:24:55
